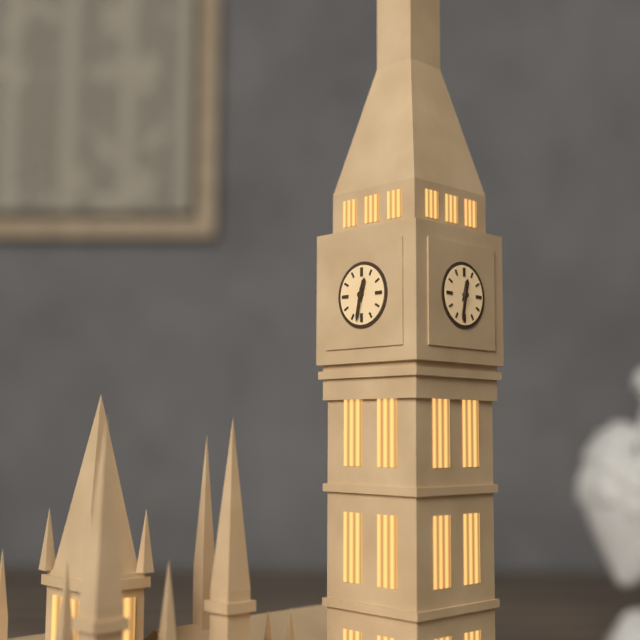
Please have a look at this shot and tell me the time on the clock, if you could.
12:32
